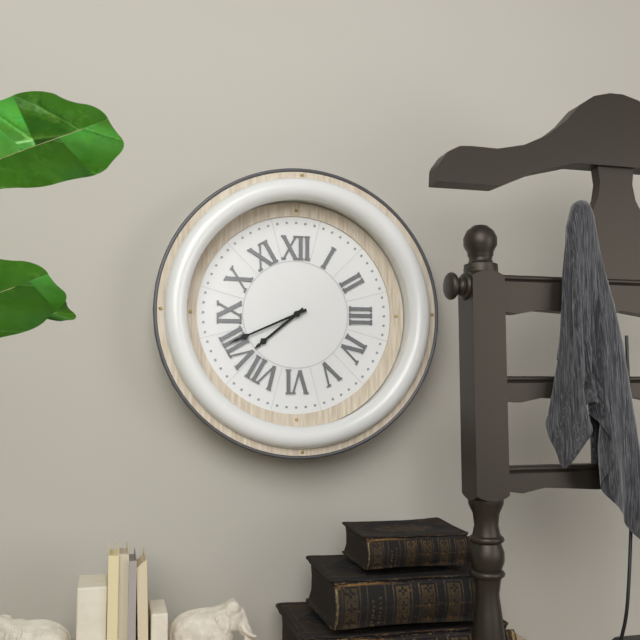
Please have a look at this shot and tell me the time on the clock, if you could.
7:41
